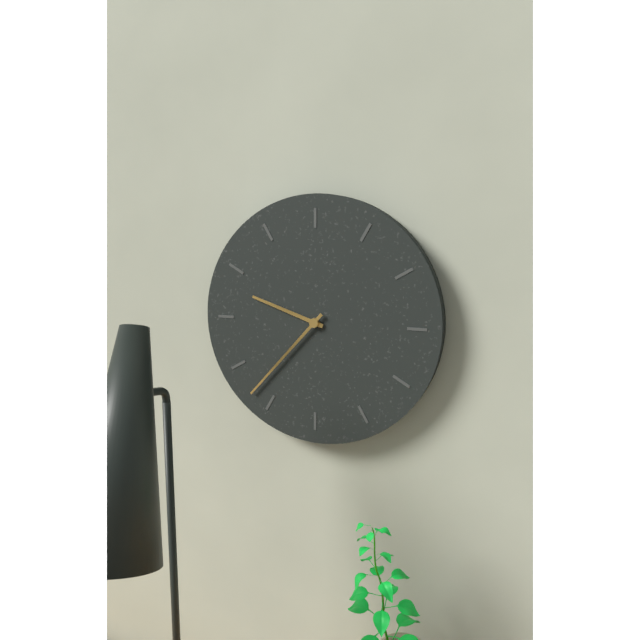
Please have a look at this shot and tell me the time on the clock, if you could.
9:37
